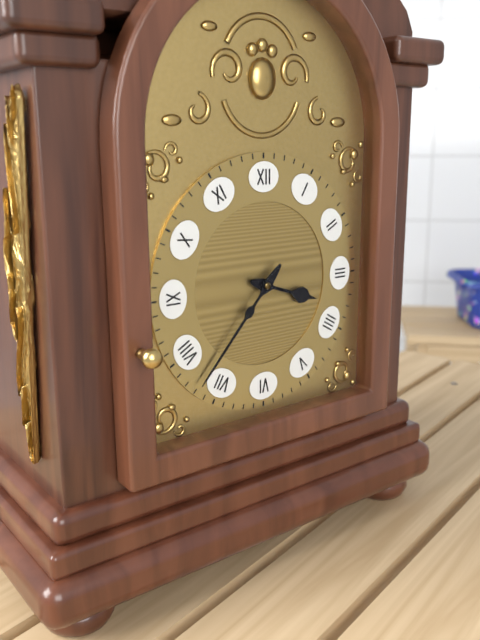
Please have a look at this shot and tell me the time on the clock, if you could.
3:37
